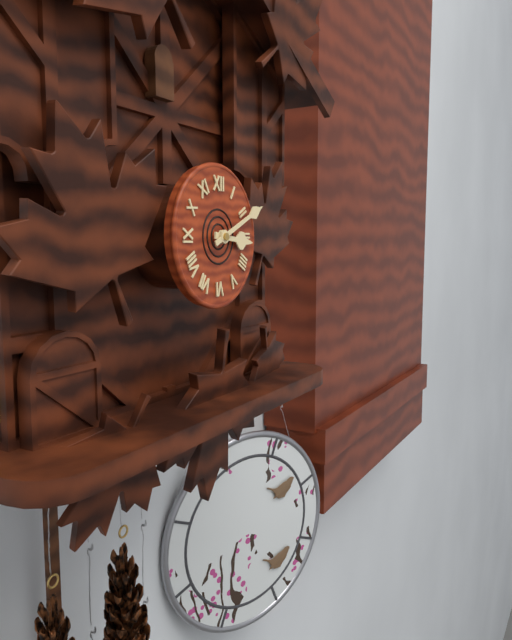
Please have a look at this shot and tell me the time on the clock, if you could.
3:11
